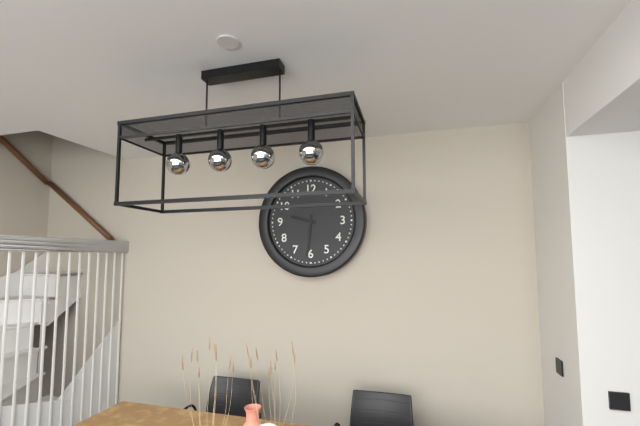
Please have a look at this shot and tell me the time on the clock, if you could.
9:31
